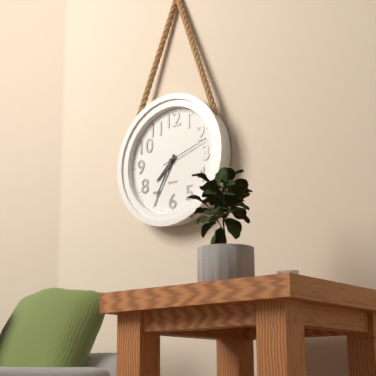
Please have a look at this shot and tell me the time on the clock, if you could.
7:35:12
